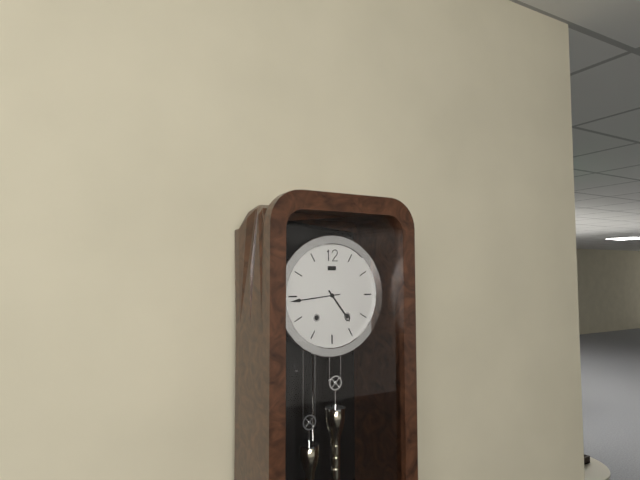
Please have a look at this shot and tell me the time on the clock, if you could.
4:44
